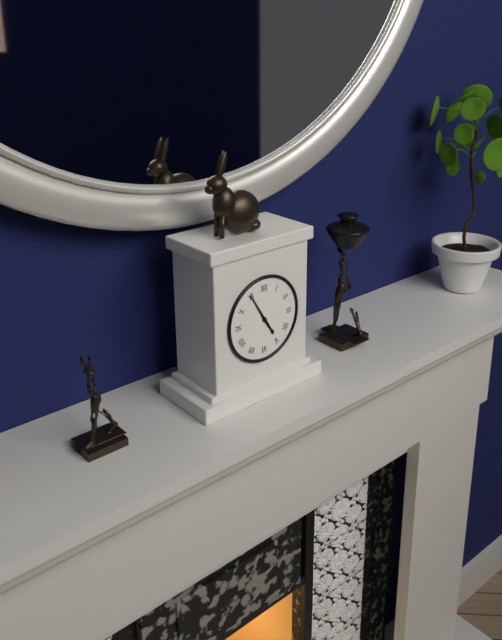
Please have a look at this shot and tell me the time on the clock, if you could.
4:55
